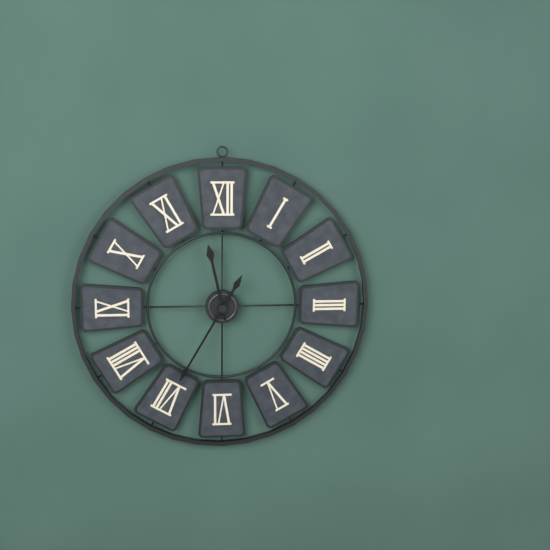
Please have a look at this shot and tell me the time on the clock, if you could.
11:35
